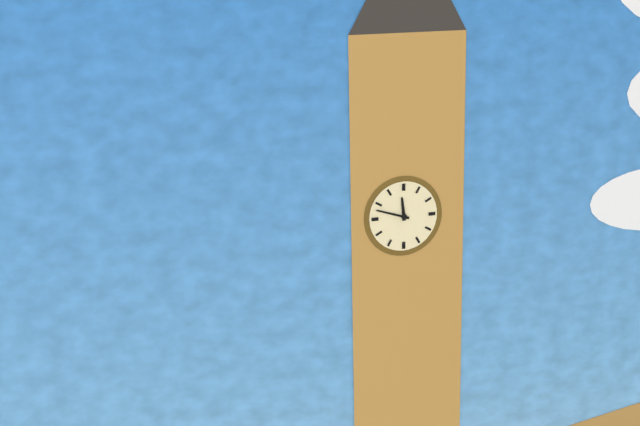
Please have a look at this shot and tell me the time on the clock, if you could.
11:48
